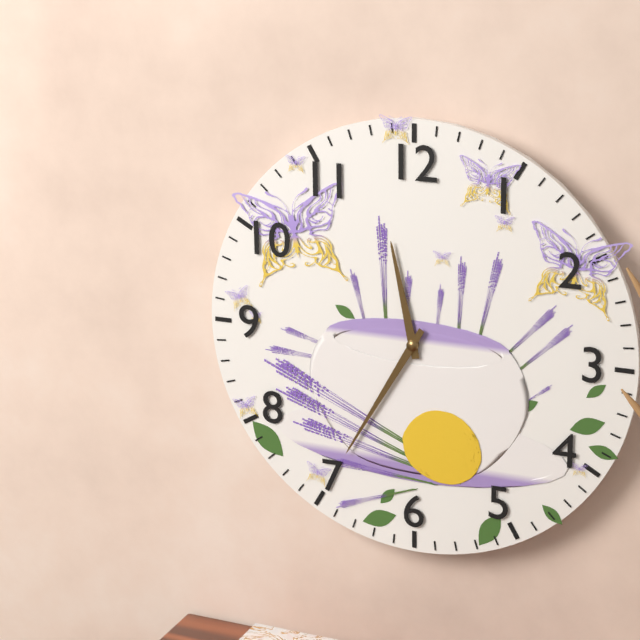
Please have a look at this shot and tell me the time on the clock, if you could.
11:35
